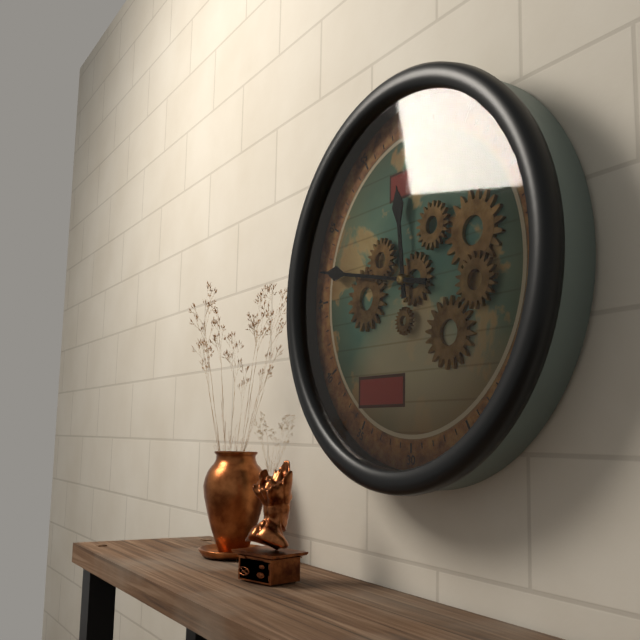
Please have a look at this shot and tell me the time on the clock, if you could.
11:47
